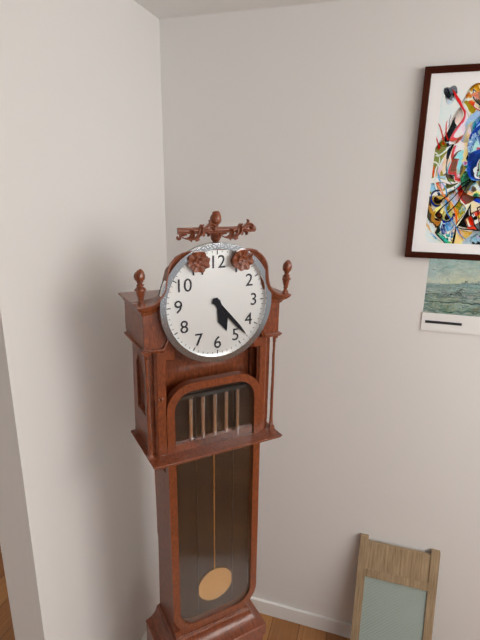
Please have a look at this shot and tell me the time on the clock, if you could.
5:23
